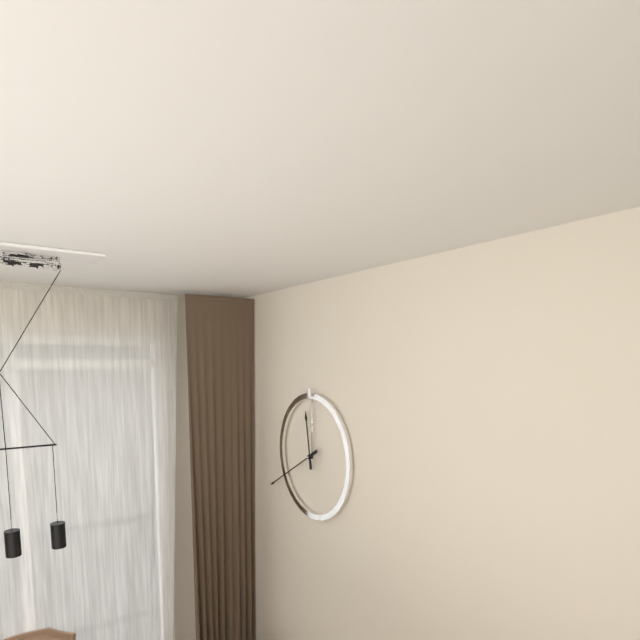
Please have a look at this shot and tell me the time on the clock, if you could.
11:40
